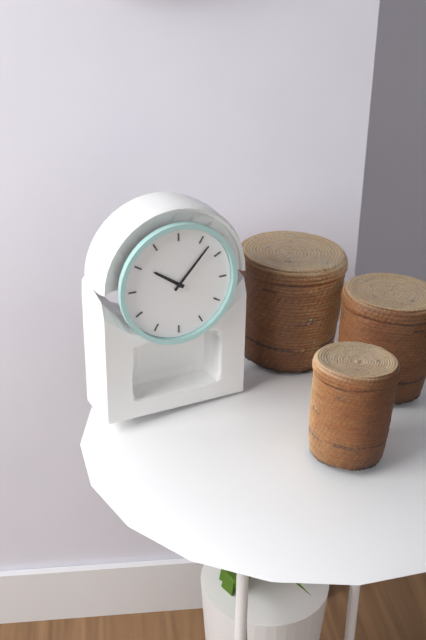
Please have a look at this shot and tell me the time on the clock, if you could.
10:07
